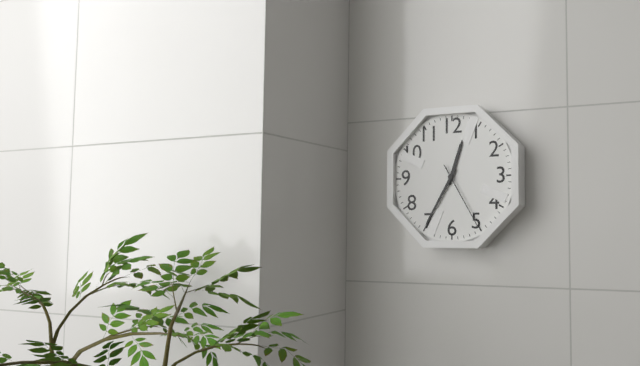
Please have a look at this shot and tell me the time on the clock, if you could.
12:35:25
